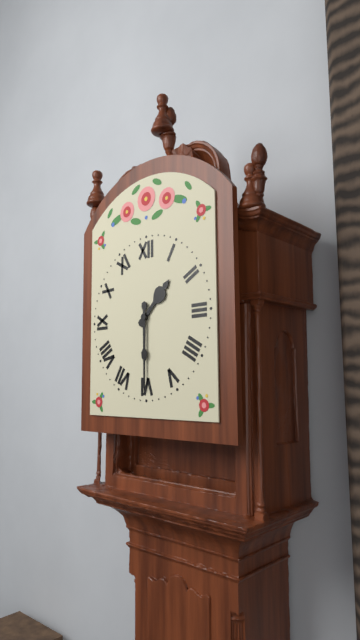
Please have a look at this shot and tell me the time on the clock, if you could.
1:30
